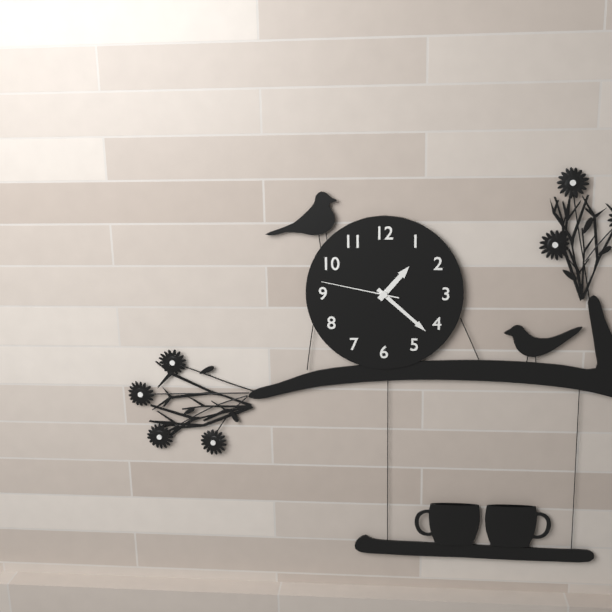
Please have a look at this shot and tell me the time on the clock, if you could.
1:22:47
